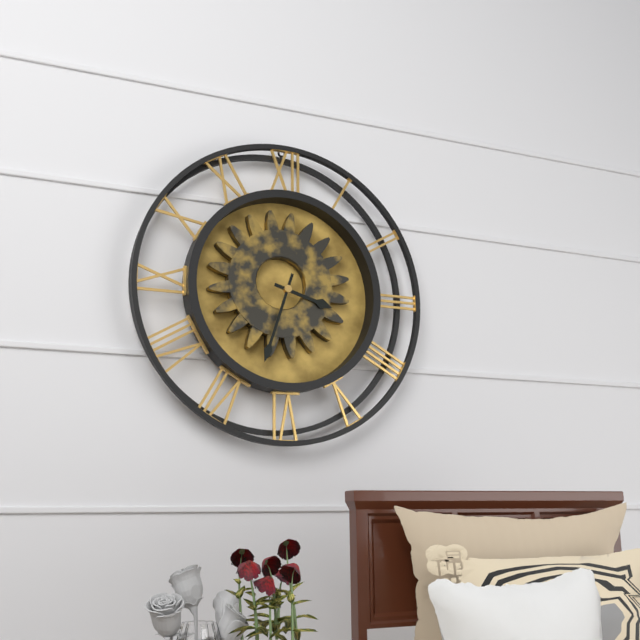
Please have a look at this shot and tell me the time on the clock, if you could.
3:33
